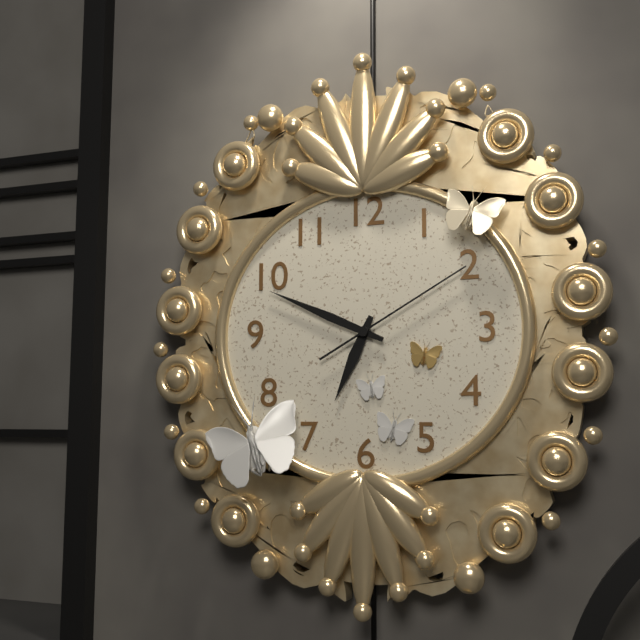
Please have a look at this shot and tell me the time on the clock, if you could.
6:49:10
